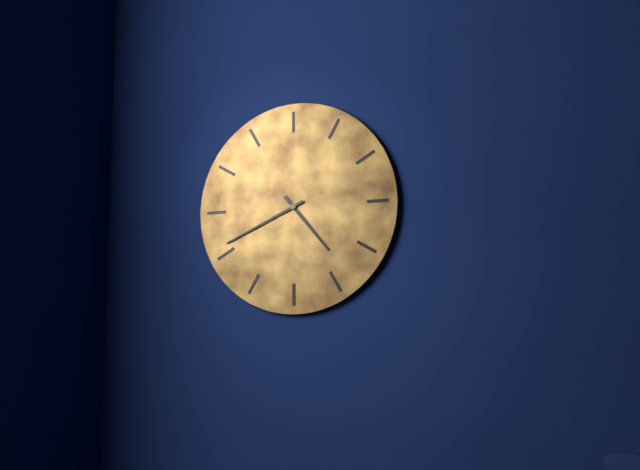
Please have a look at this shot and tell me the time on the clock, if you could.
4:41
